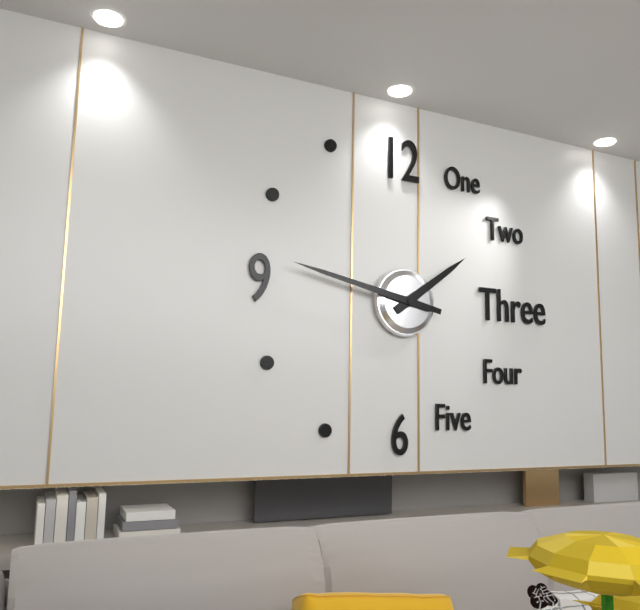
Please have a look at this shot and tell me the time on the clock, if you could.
1:47
